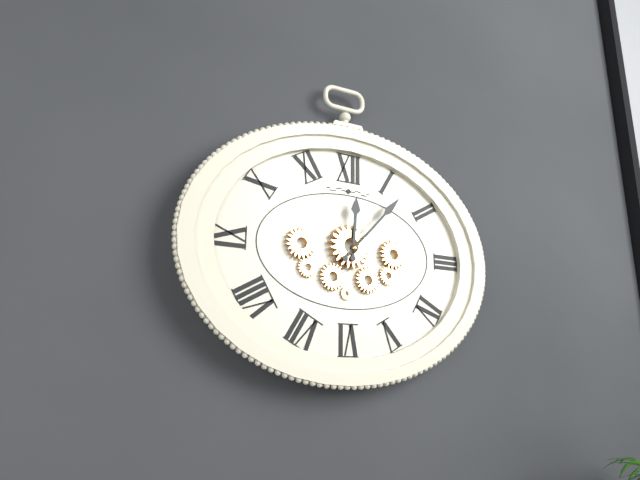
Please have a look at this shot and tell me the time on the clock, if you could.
12:07
